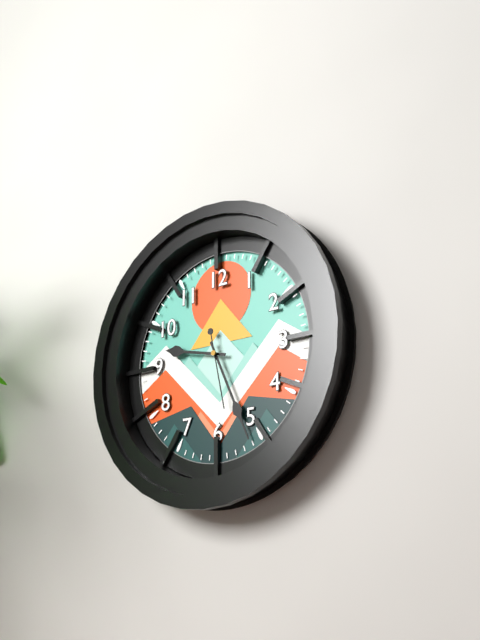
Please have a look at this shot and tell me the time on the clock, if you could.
9:26:28
